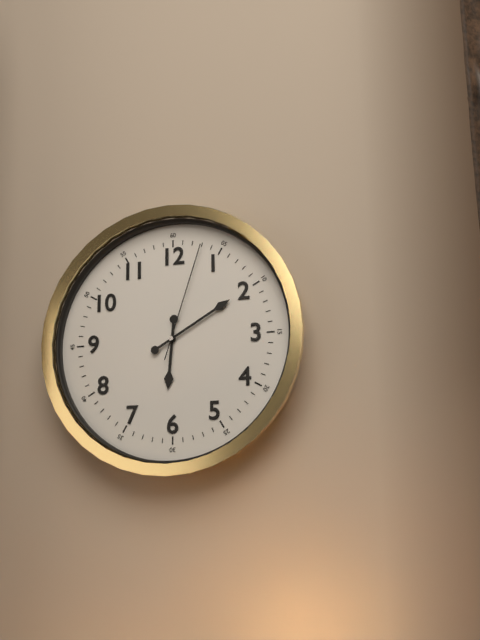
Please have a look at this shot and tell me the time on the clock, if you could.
6:10:03
